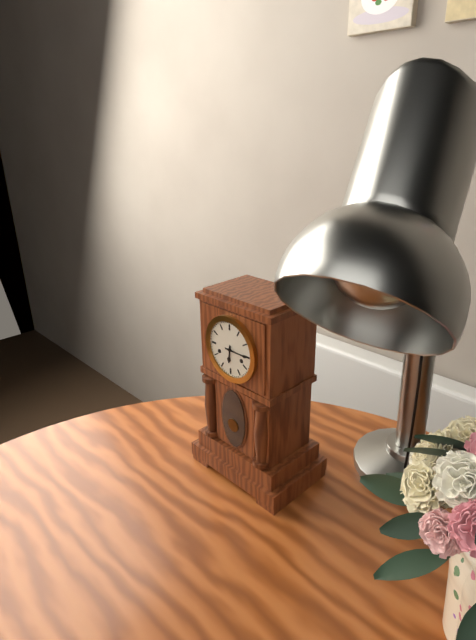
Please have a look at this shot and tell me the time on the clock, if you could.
6:15
